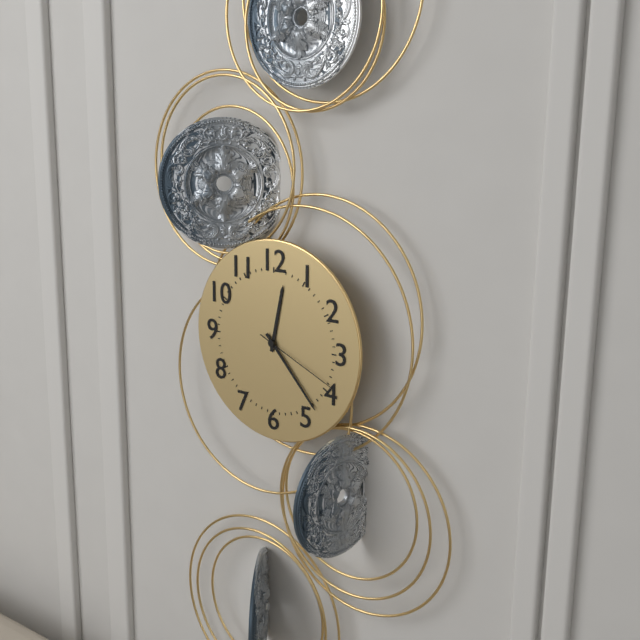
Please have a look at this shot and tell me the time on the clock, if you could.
12:23:19
